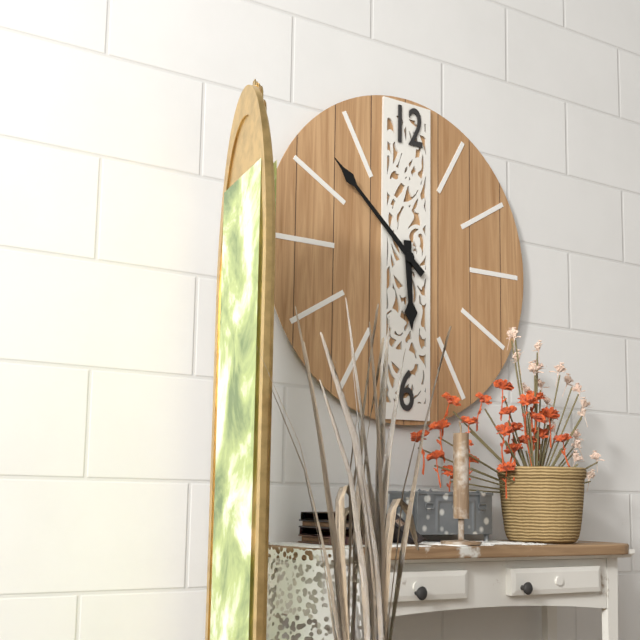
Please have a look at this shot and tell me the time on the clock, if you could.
5:52
